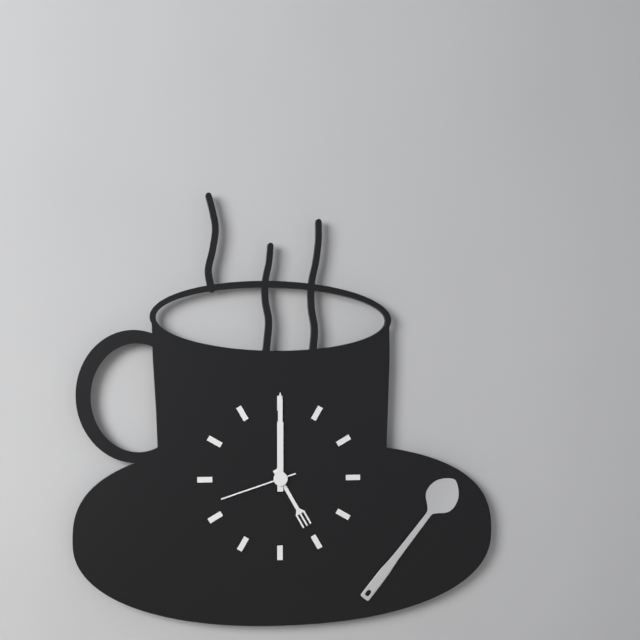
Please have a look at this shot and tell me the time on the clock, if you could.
5:00:42
